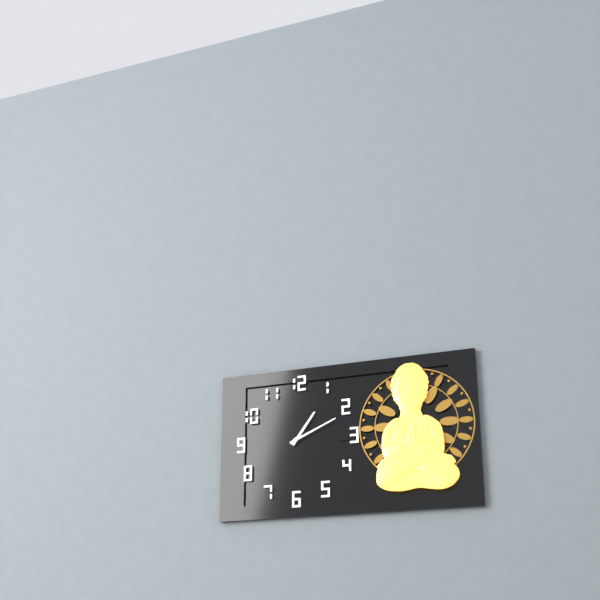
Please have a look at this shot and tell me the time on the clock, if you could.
1:11
